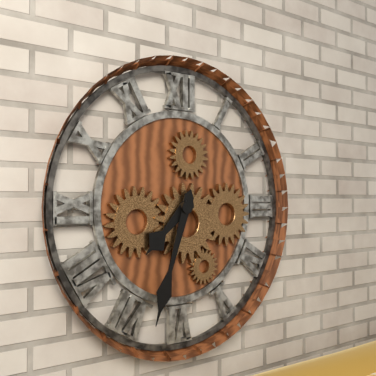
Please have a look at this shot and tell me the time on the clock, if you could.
7:33
